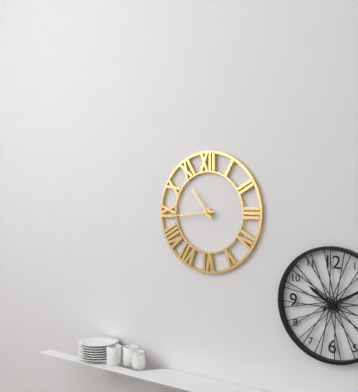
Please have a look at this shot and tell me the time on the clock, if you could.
10:44
